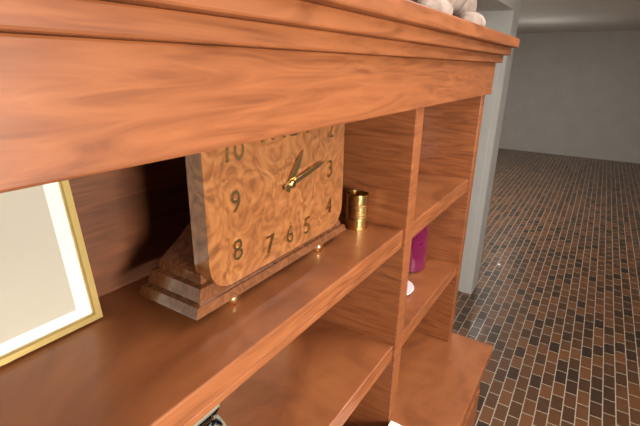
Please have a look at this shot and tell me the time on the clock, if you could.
1:13
